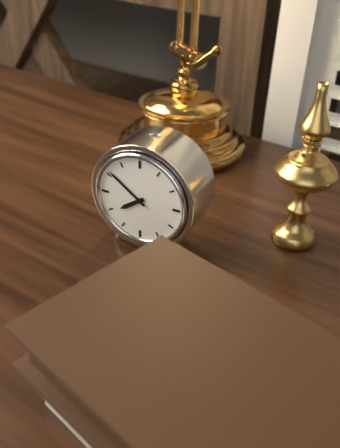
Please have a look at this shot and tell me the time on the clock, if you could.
7:51
